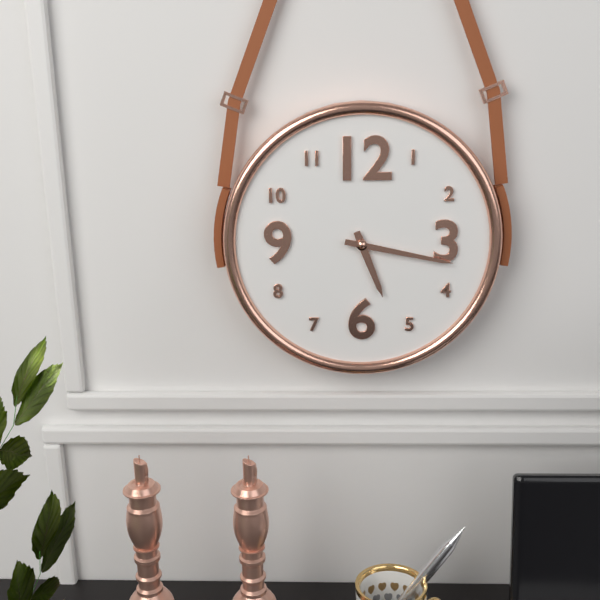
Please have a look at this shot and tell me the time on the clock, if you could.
5:17
